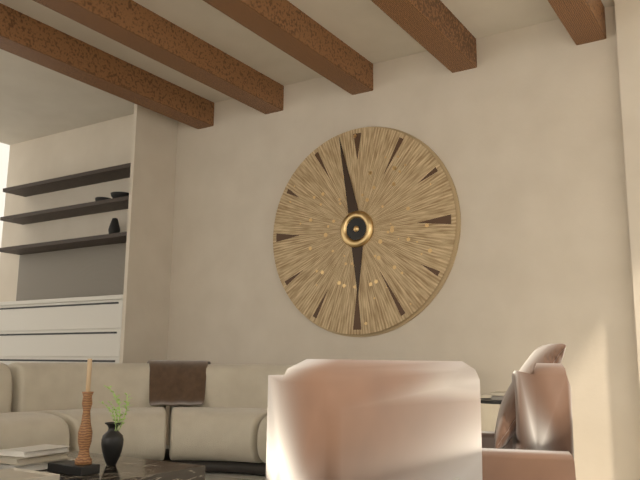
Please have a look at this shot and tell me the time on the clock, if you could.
5:58
